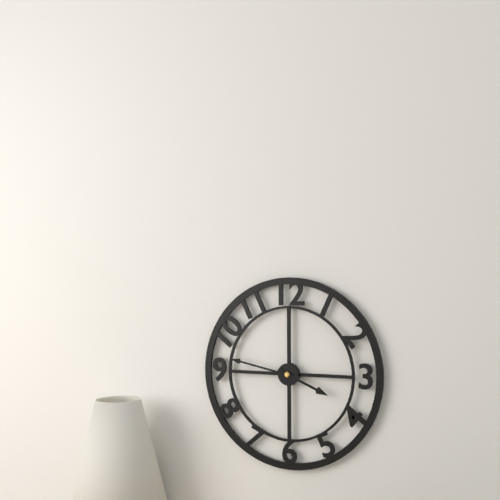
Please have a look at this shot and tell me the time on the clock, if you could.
3:47
